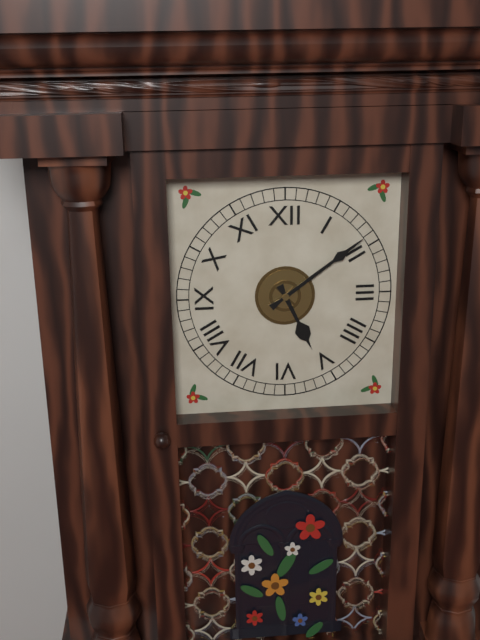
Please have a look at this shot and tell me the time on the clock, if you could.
5:09
